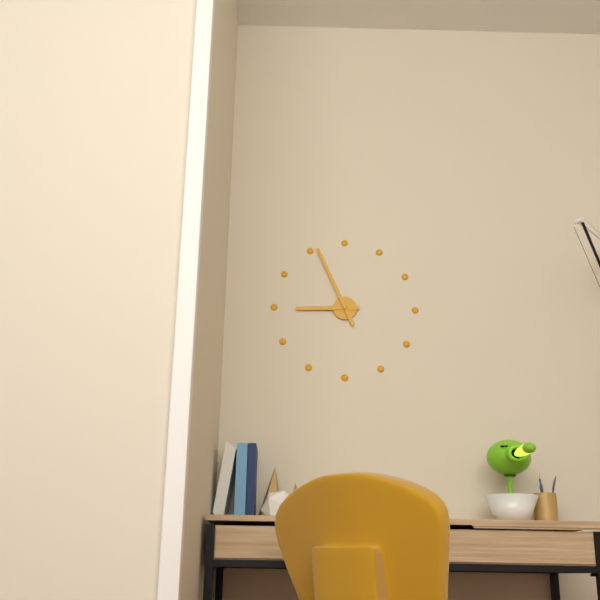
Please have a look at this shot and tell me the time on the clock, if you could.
8:56
